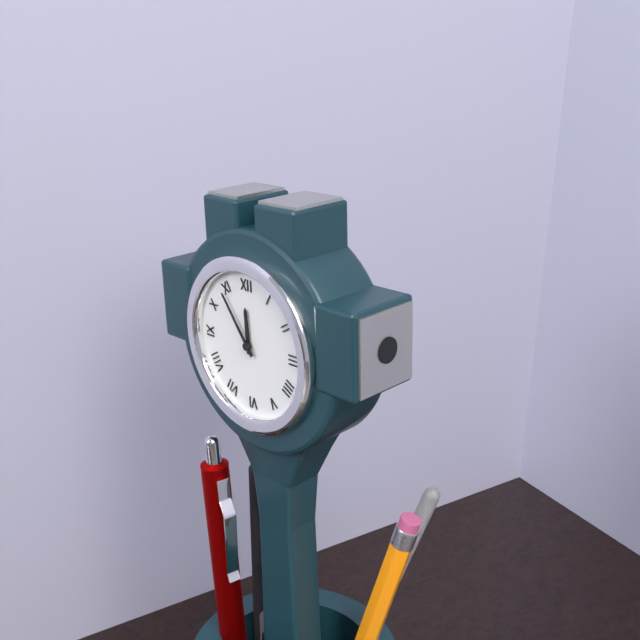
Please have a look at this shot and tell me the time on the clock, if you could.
11:54
